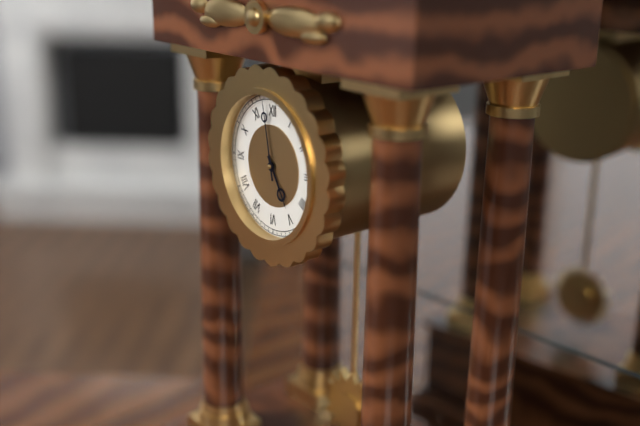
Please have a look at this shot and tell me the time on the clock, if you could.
4:58
